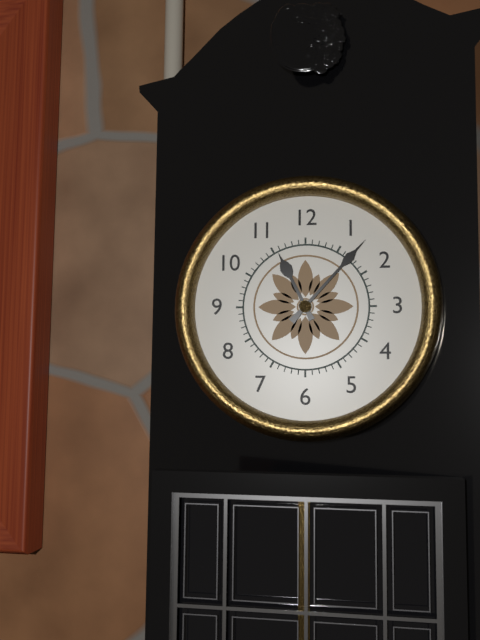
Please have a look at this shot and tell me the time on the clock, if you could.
11:07
